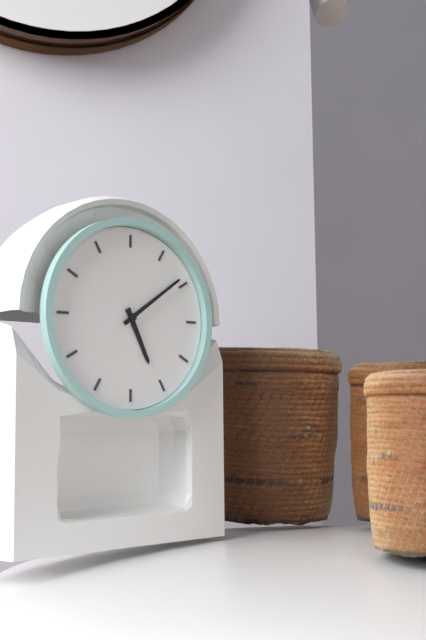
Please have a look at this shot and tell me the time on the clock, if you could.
5:09
